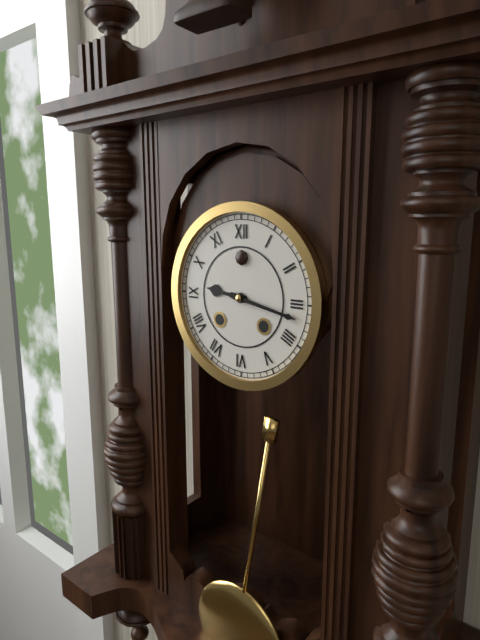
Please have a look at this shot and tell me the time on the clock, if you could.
9:17
